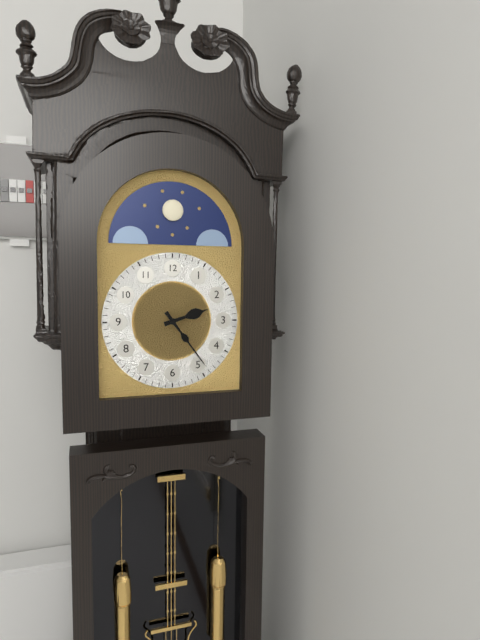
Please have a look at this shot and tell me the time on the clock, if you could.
2:24
